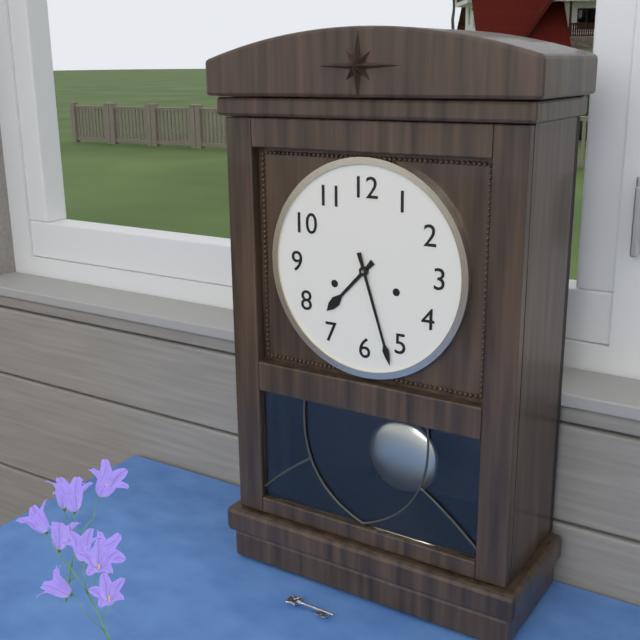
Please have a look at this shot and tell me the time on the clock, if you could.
7:27
